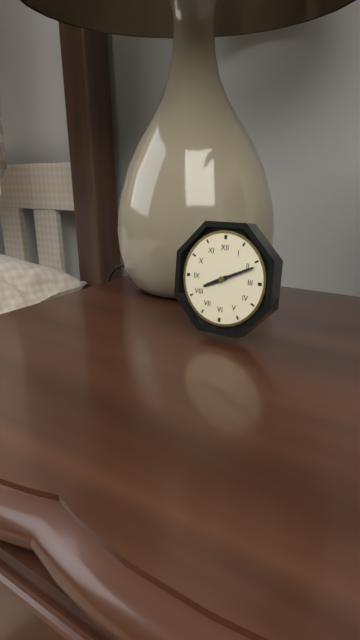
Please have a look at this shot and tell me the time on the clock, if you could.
8:11
